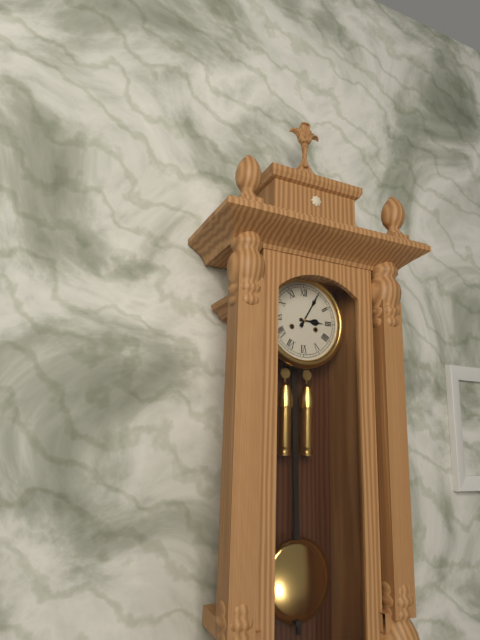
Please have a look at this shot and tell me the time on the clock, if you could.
3:05
